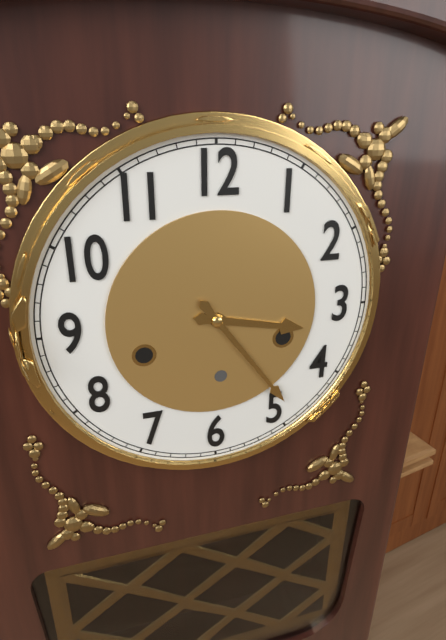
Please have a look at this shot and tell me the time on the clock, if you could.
3:24
